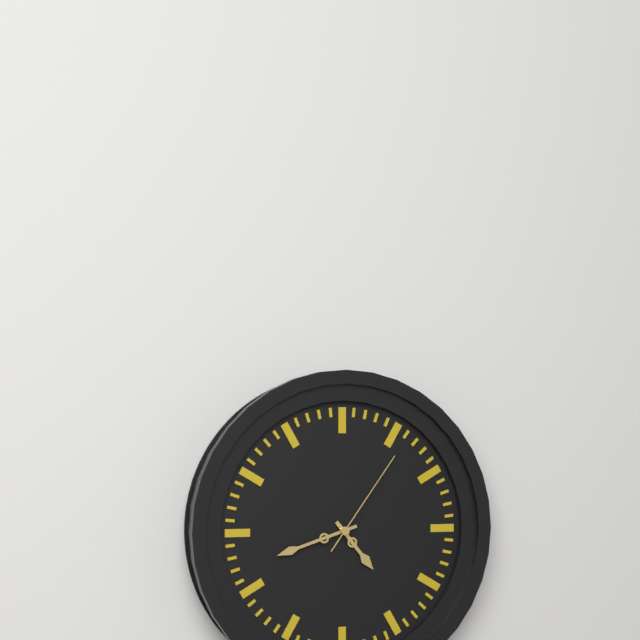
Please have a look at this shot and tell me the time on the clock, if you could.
4:42:06
